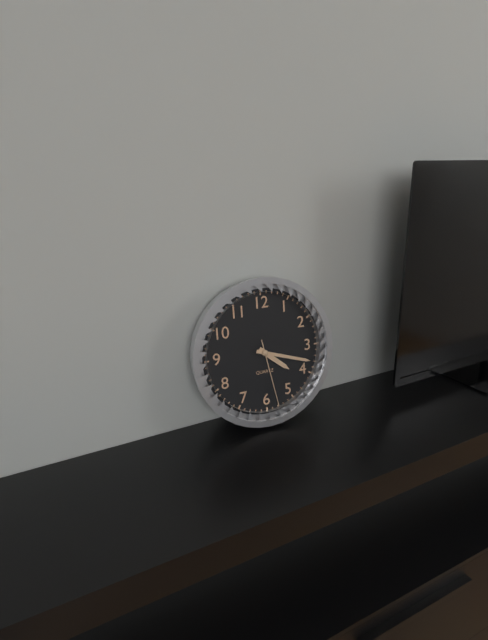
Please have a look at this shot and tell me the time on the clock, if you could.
4:18:28
